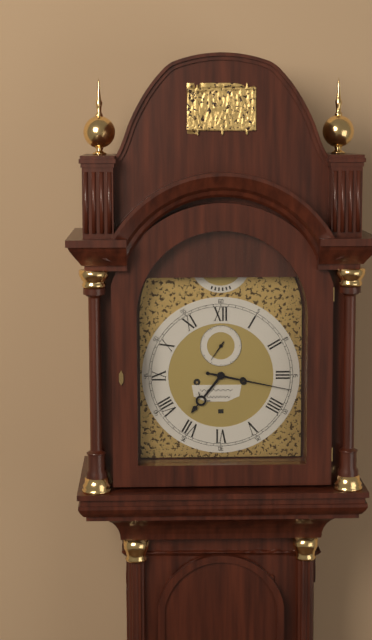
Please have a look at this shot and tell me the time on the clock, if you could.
7:17
